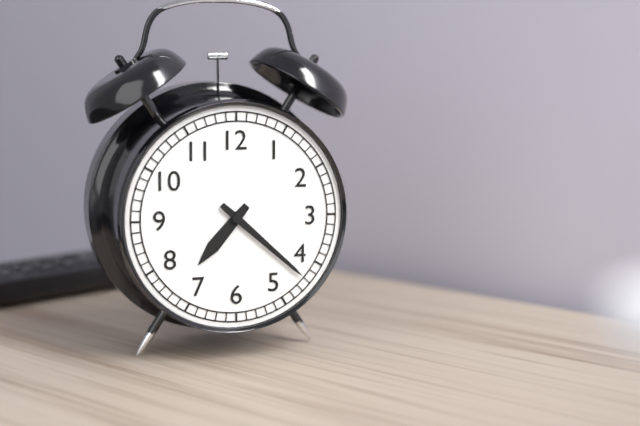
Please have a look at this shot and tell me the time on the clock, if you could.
7:22
